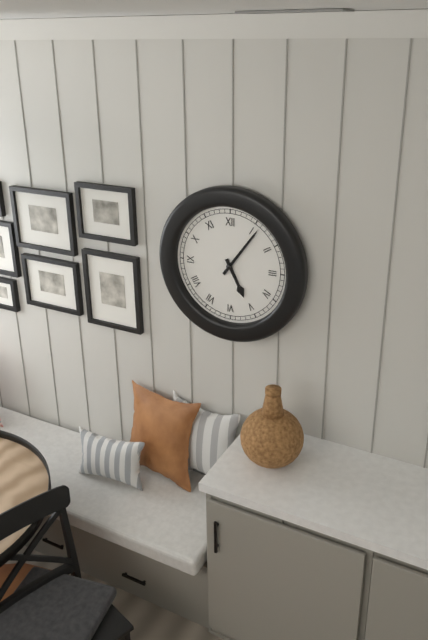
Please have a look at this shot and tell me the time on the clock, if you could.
5:06
